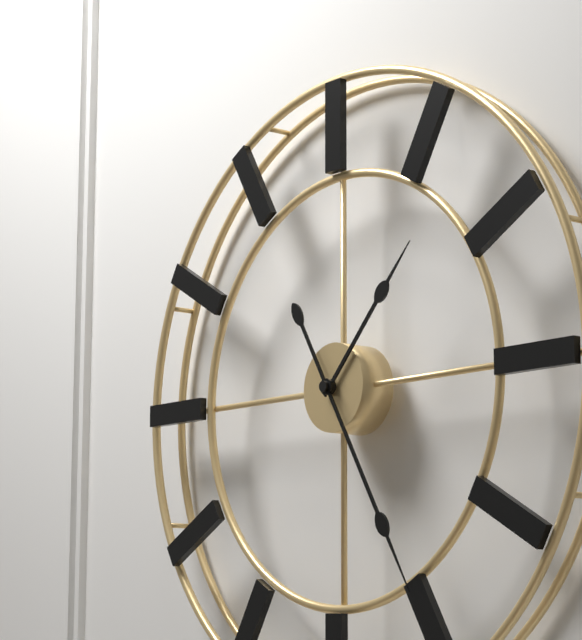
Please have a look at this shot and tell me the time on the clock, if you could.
1:25
